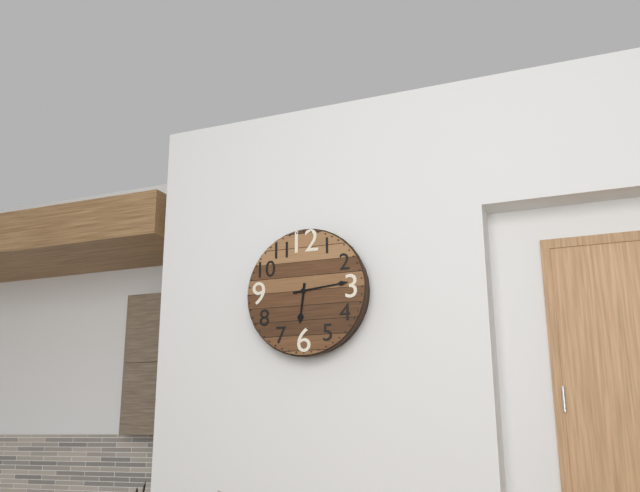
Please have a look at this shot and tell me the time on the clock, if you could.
6:14
